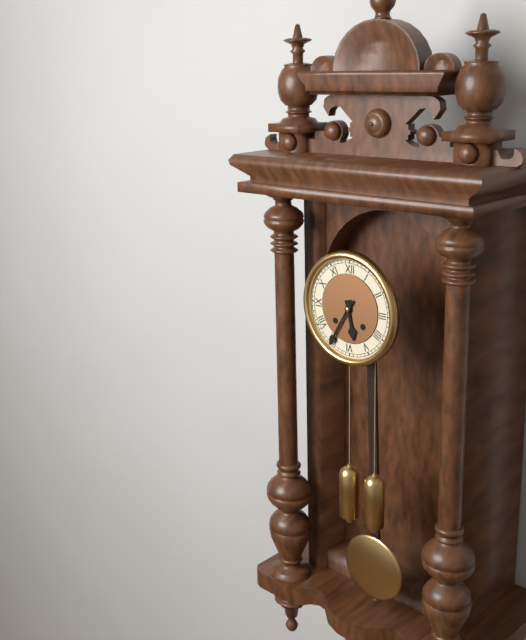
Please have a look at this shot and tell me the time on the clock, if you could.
5:35
